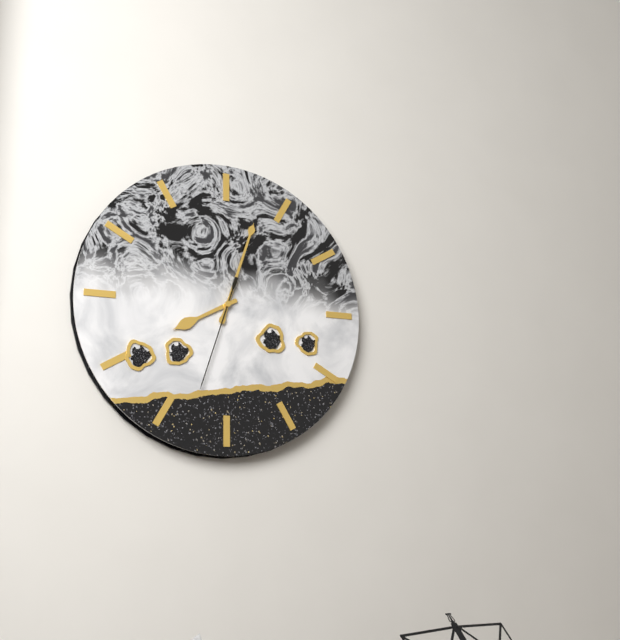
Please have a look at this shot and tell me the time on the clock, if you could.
8:03:33
